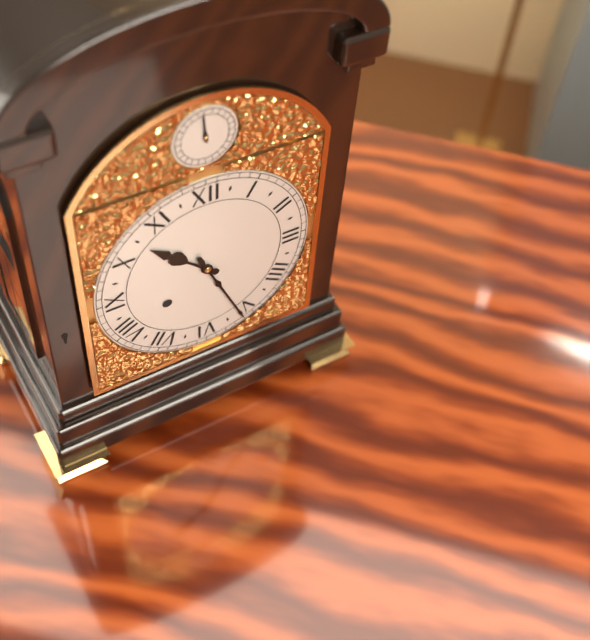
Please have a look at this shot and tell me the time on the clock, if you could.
10:26
